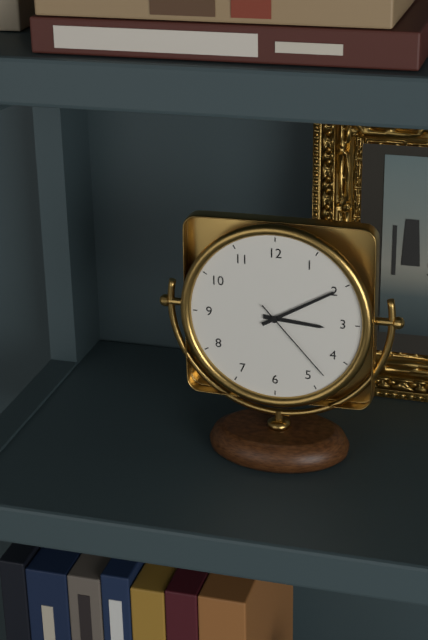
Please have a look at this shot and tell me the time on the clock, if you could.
3:10:23
